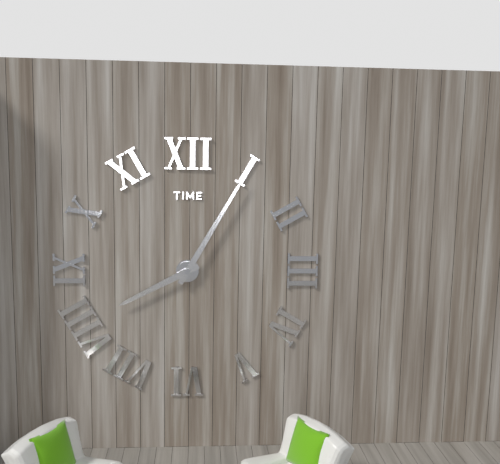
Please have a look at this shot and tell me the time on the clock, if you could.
8:05
